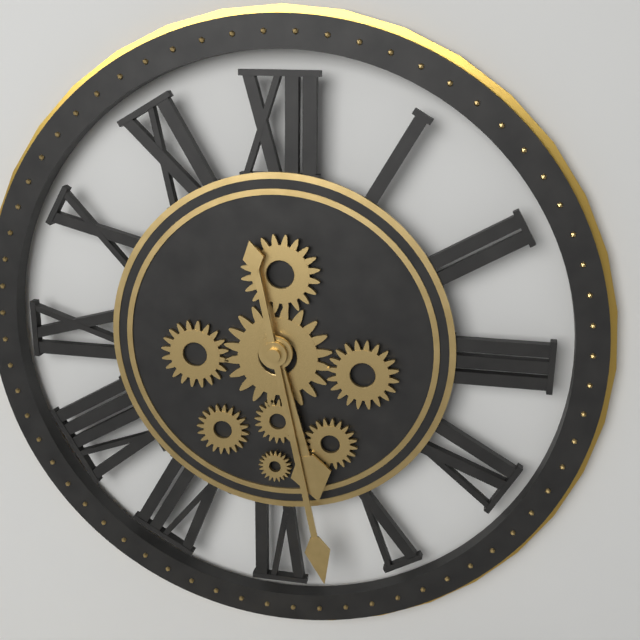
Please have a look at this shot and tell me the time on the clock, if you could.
5:28
